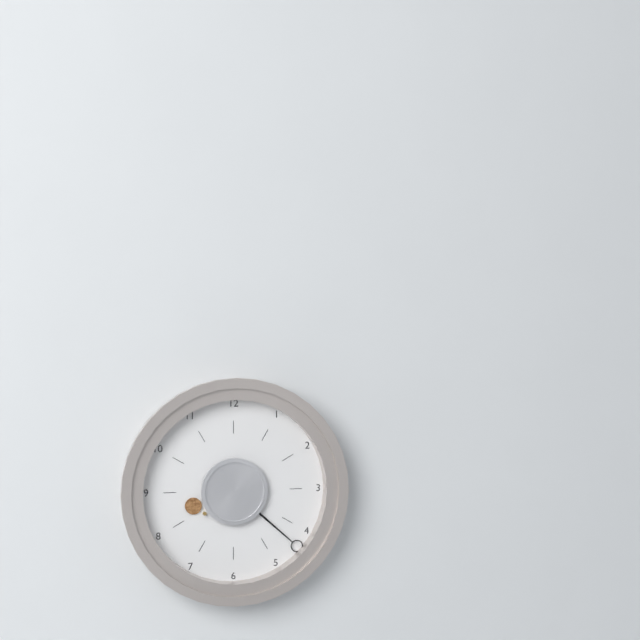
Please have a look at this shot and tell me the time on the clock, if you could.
8:22
